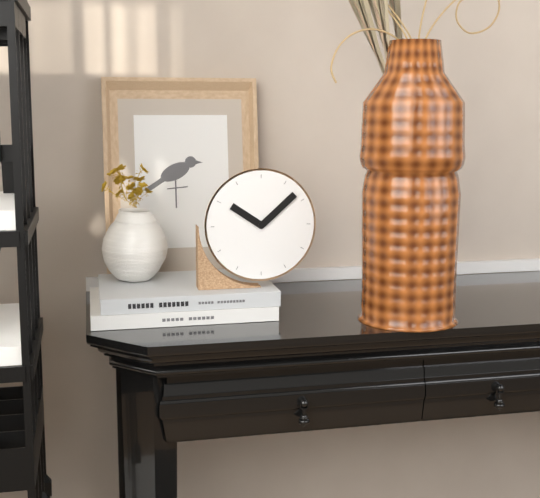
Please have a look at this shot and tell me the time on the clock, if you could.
10:08
